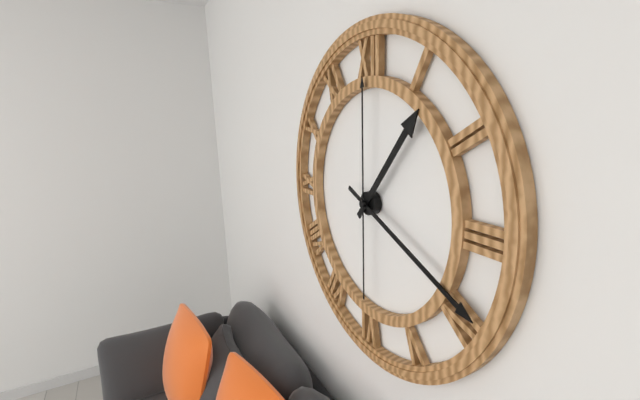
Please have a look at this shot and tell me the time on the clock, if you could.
1:19:00
